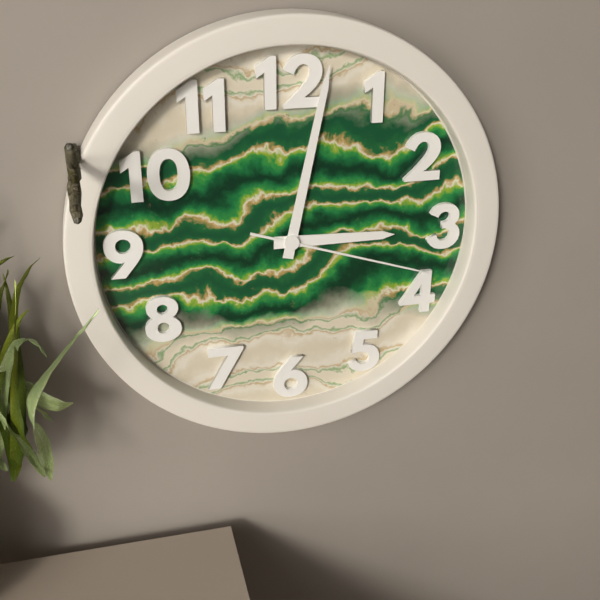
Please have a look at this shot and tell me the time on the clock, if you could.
3:02:18
